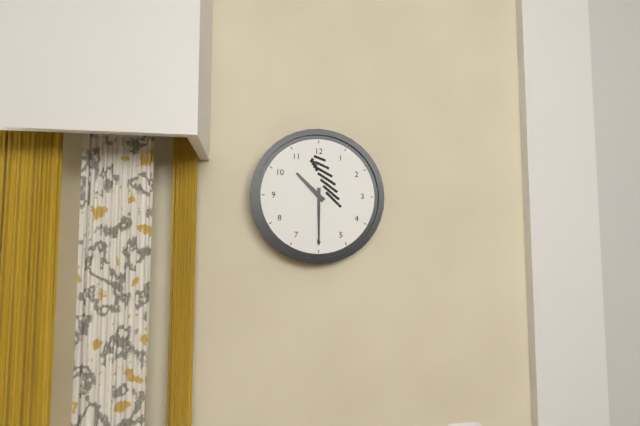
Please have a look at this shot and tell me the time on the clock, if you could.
10:30
